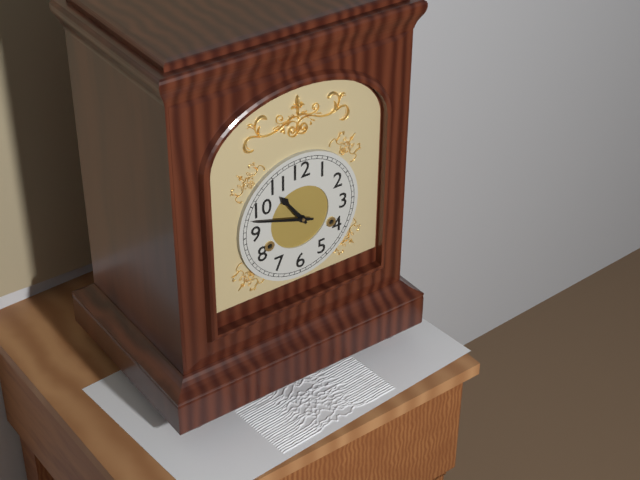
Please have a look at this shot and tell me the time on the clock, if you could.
10:48
